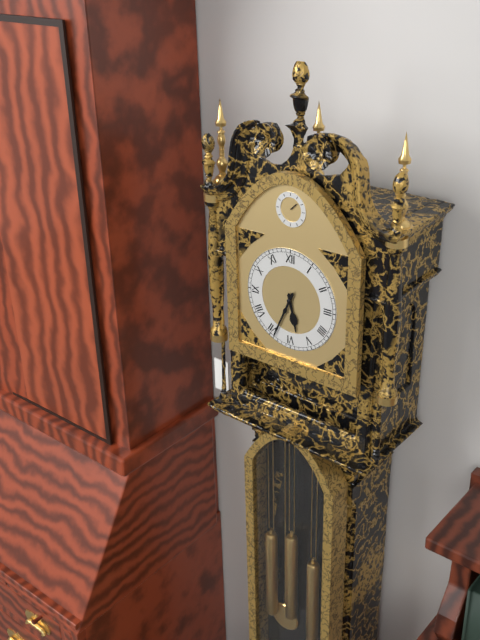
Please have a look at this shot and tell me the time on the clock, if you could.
5:34
